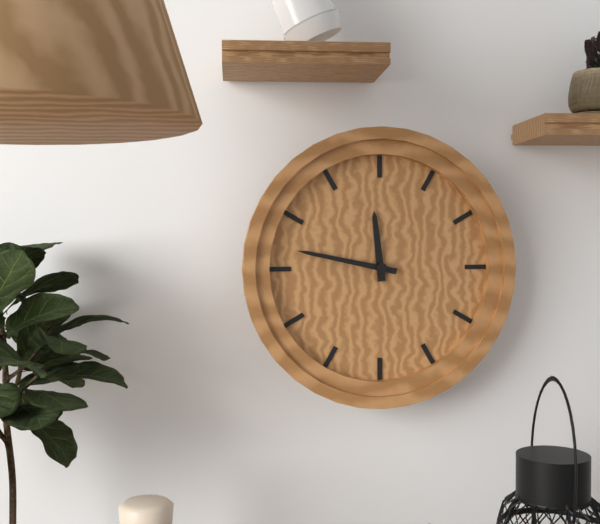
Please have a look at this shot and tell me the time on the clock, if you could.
11:47
